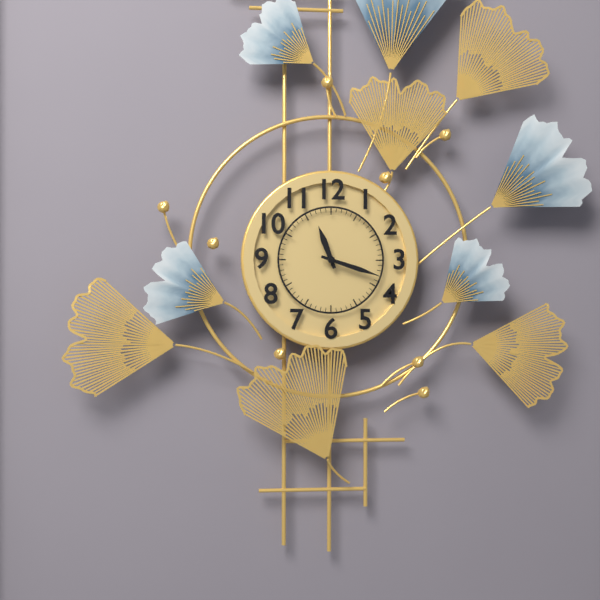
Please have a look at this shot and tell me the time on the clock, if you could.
11:18
